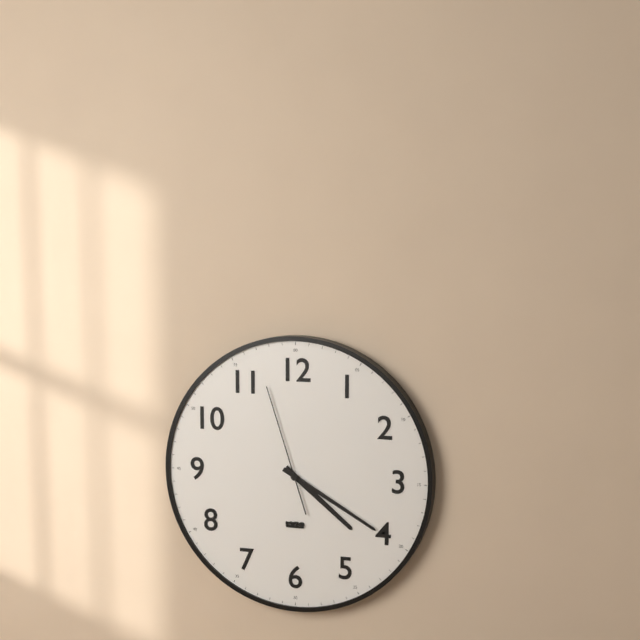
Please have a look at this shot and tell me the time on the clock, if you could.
4:20:57
